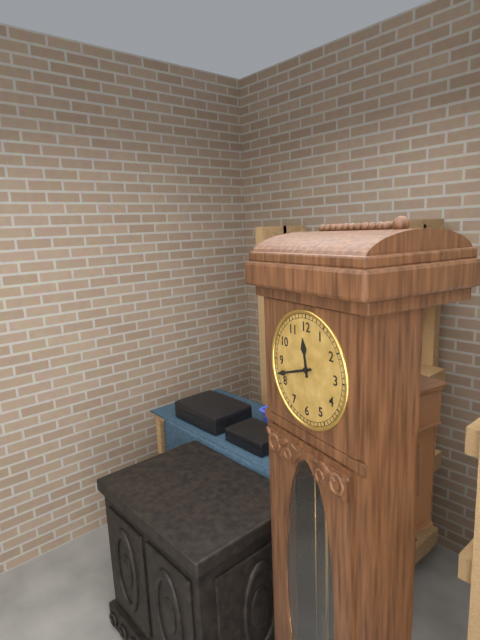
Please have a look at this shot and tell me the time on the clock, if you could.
11:42
